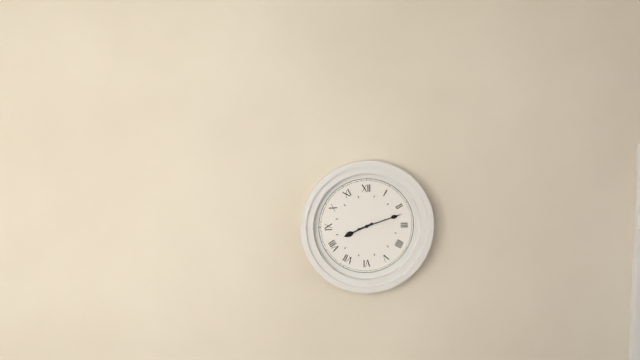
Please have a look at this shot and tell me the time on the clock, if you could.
8:12
